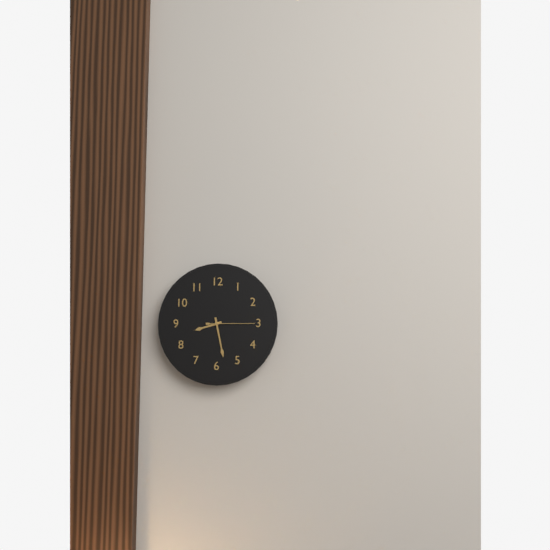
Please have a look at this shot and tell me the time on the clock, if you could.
8:28
